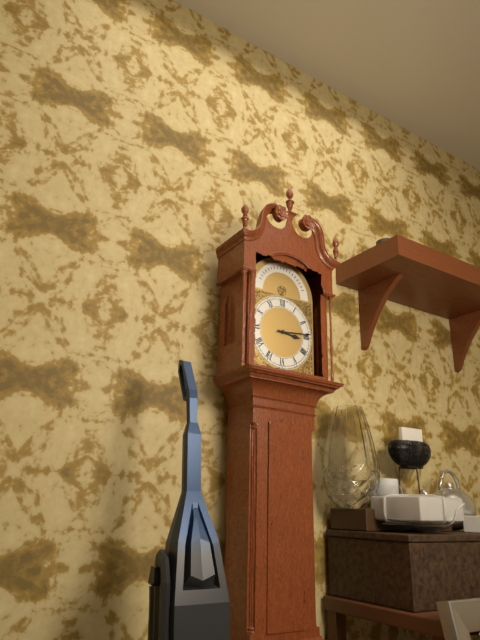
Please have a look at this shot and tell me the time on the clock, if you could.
3:14
